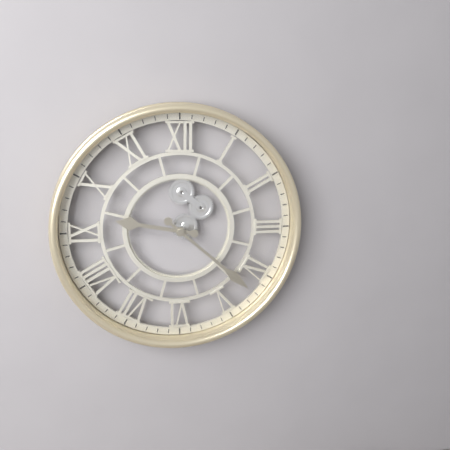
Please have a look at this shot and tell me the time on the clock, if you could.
9:22
